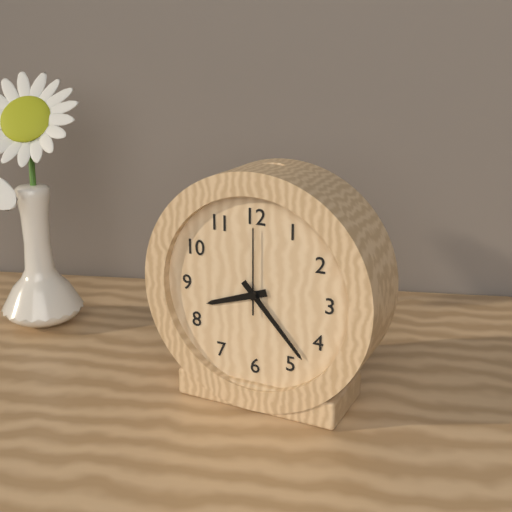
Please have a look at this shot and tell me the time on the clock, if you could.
8:23:00
